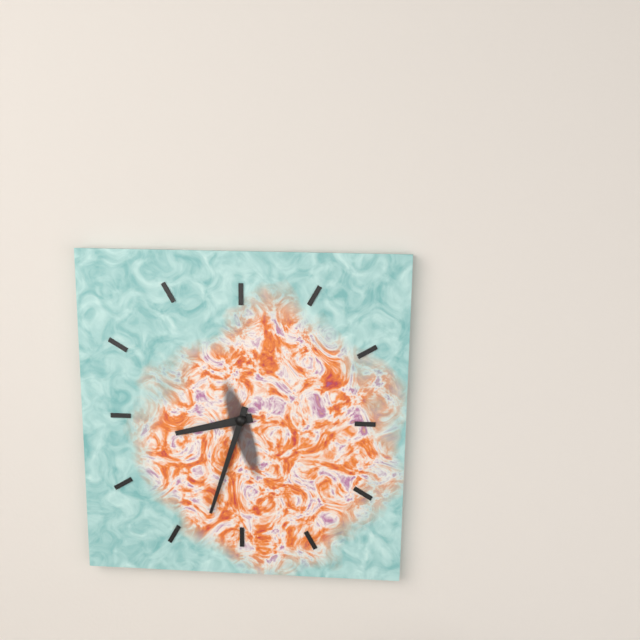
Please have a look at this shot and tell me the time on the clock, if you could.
8:33
